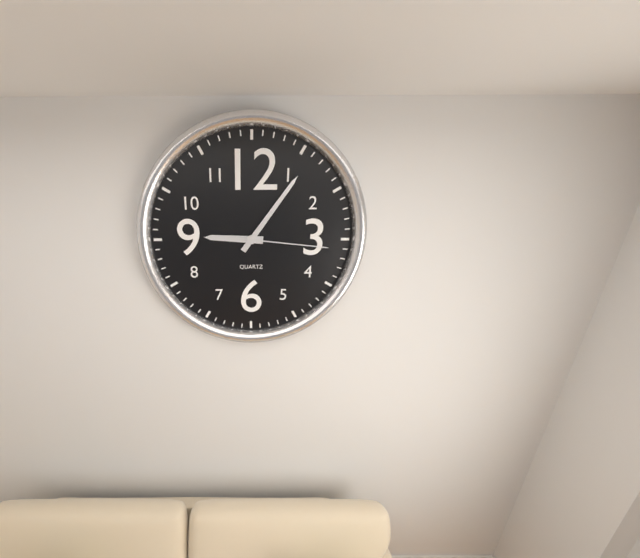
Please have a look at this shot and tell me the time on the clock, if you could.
9:06:16
